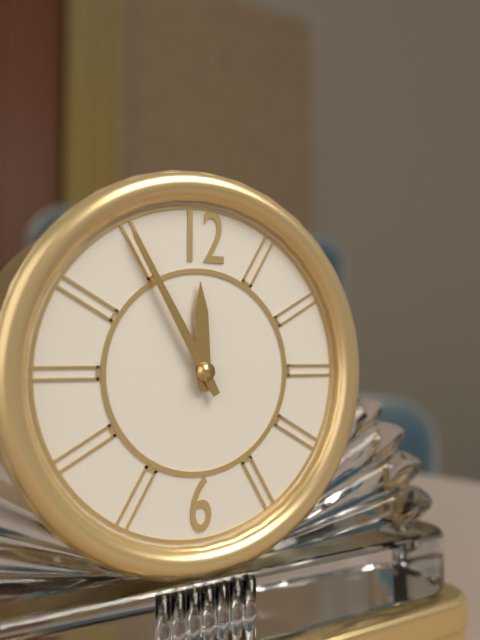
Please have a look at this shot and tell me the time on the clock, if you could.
11:55
